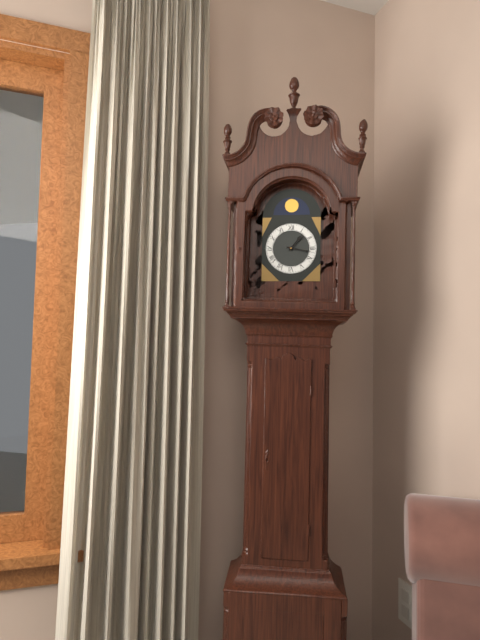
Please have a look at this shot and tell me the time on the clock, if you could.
1:17
